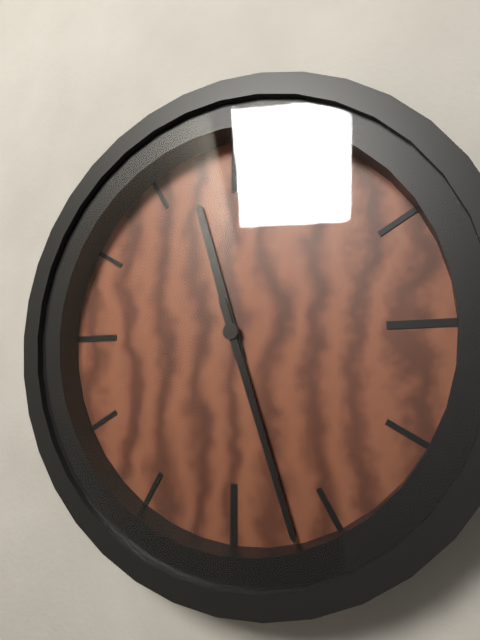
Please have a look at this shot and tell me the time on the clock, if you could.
11:27
